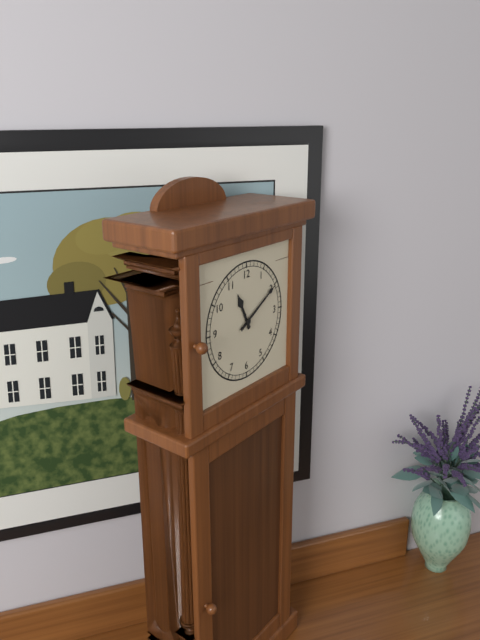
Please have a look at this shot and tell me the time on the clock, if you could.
11:10
